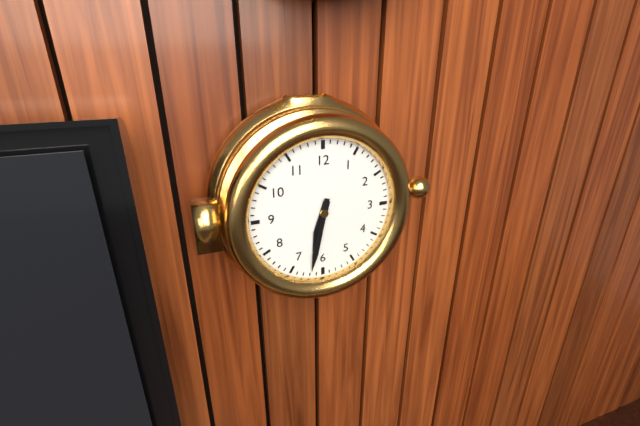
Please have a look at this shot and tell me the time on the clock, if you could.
6:32
